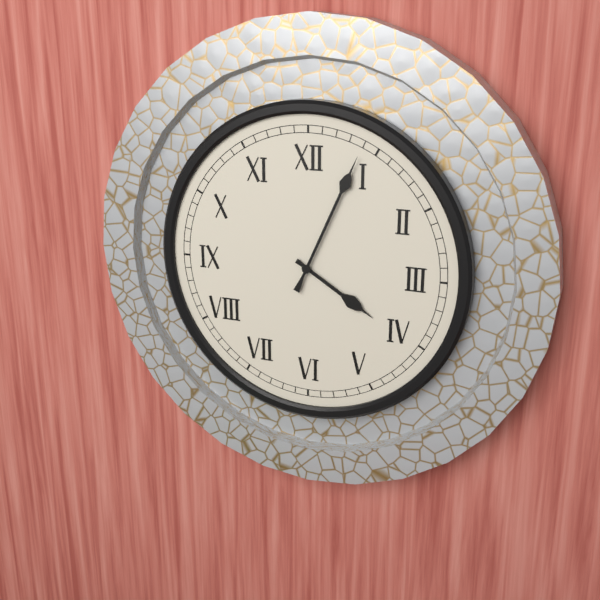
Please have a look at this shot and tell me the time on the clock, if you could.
4:04
